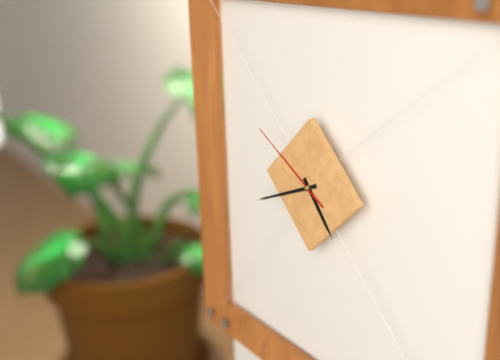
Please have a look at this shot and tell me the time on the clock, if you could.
4:41:50
